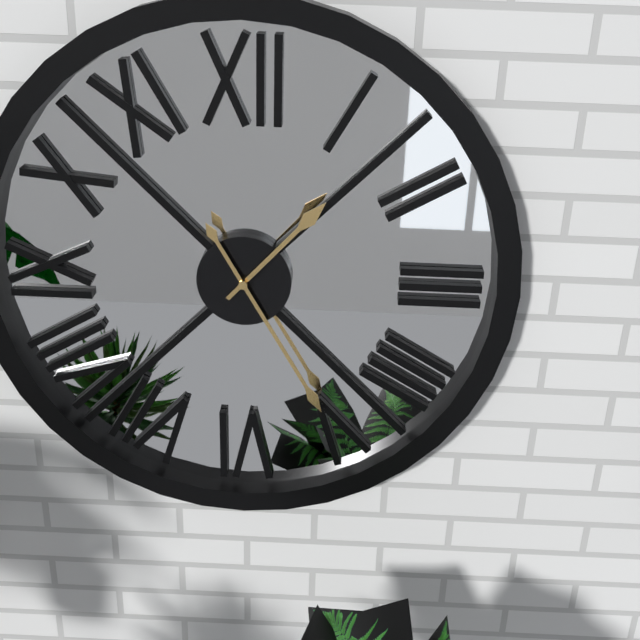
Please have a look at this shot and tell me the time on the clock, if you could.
1:25
